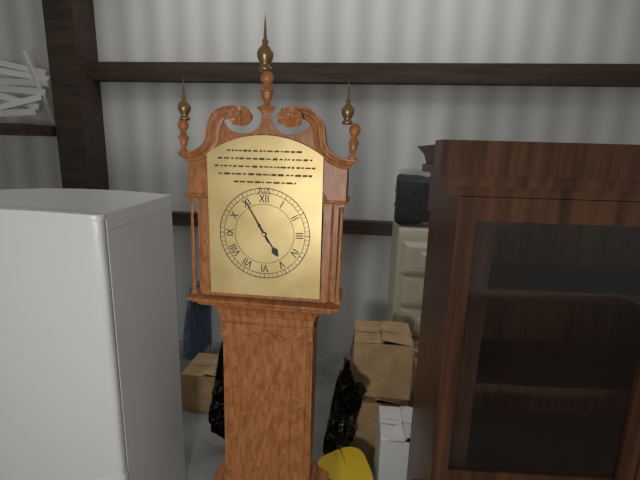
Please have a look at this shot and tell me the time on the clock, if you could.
4:55
